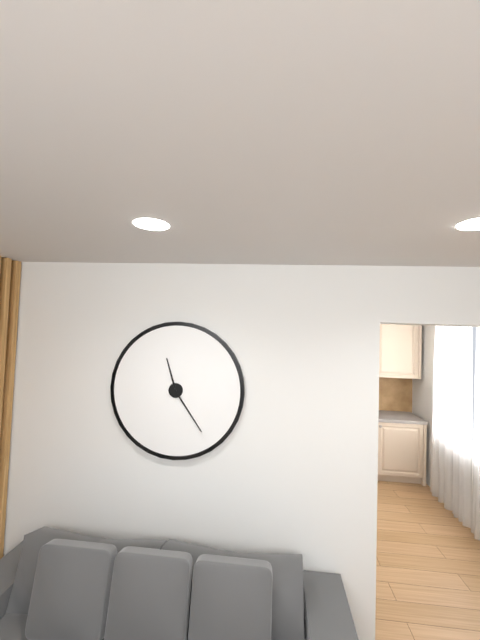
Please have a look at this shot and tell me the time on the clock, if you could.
11:24
